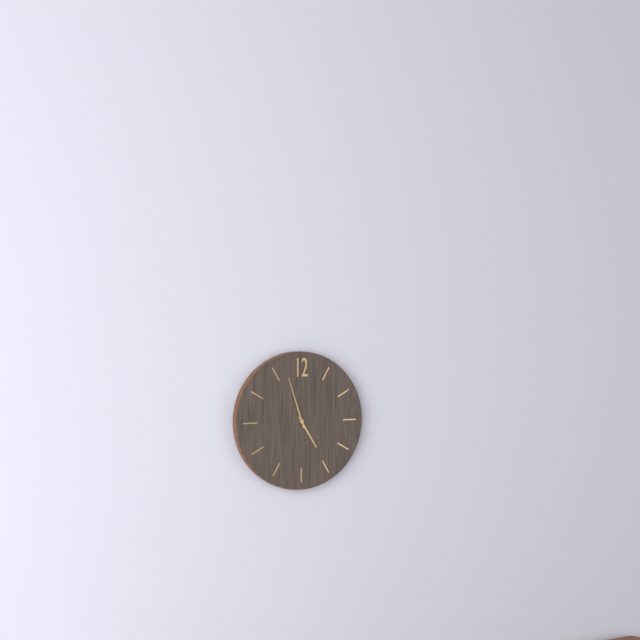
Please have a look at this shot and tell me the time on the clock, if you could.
4:57
